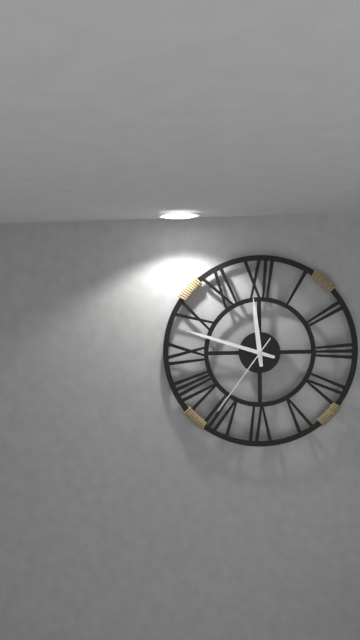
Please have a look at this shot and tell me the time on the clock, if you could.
11:48:36
